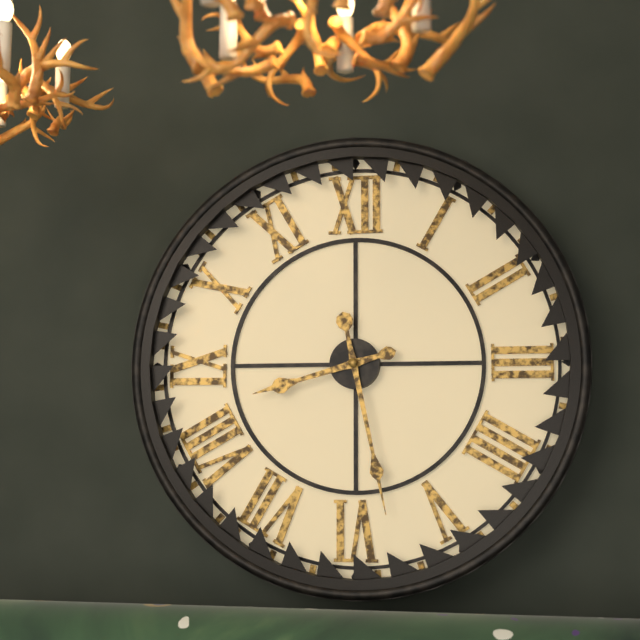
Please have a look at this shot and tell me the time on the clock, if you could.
8:28
